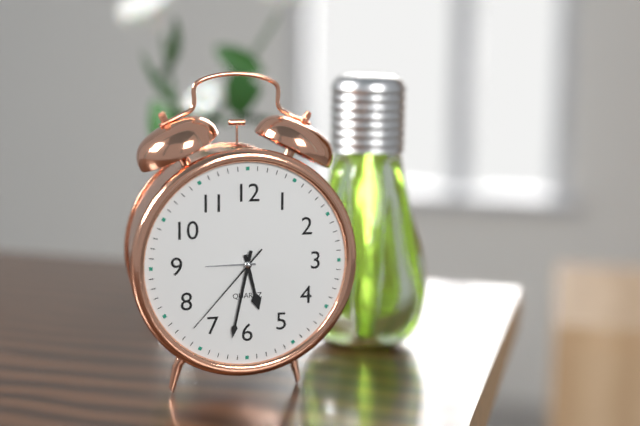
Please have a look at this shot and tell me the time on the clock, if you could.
5:32:37
